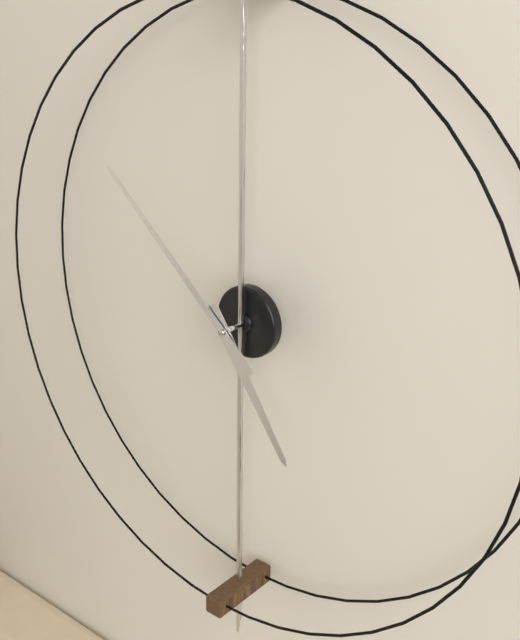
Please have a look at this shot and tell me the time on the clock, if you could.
4:52
